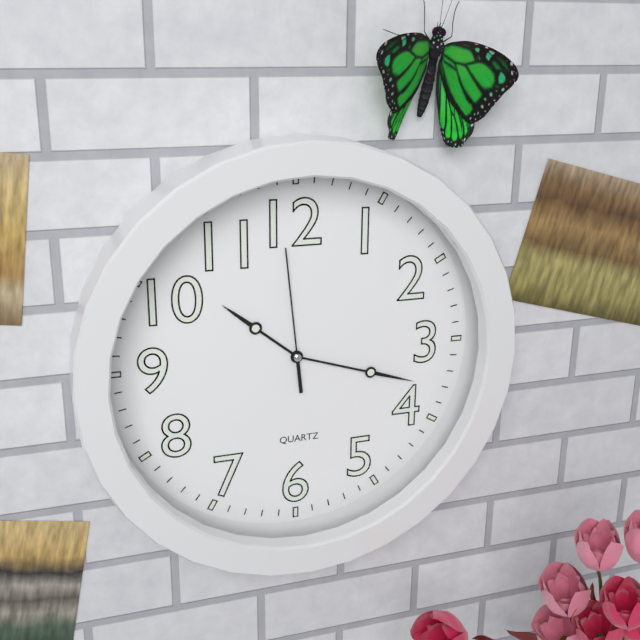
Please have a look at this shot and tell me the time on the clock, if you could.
10:18:59
